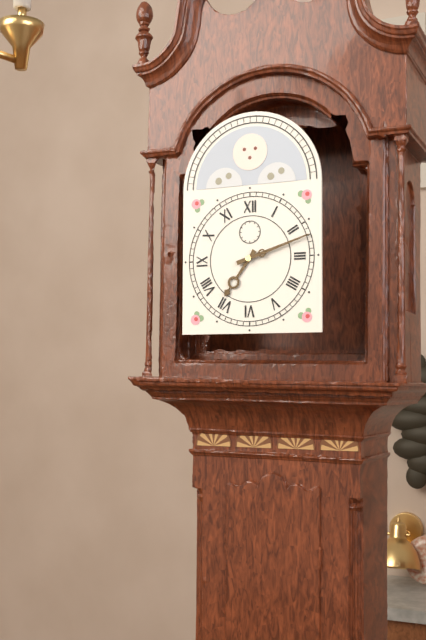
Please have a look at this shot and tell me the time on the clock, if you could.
7:12
